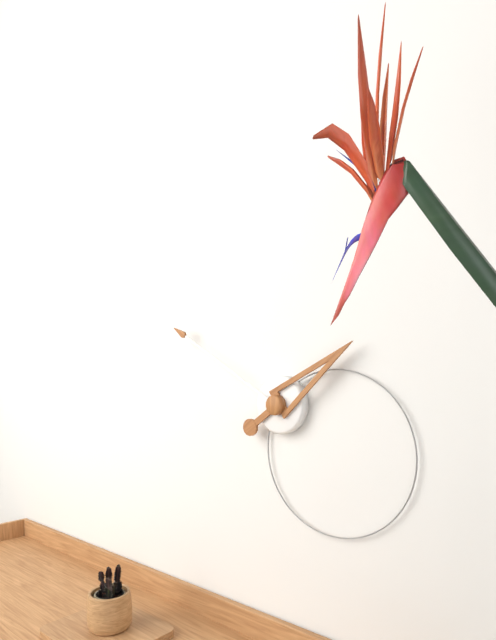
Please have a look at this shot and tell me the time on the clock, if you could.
1:50
